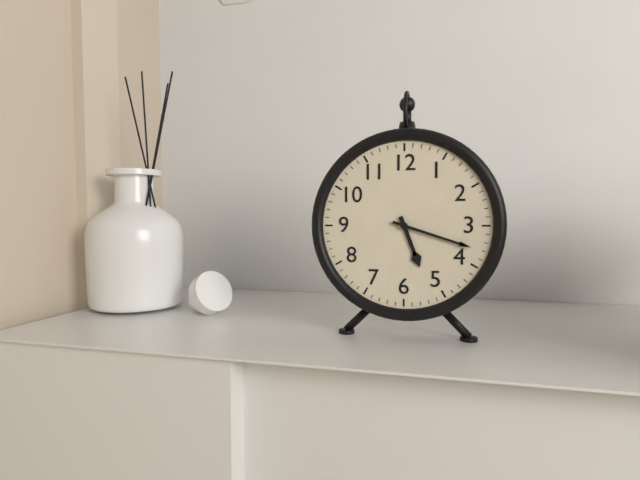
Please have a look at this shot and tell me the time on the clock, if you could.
5:18
